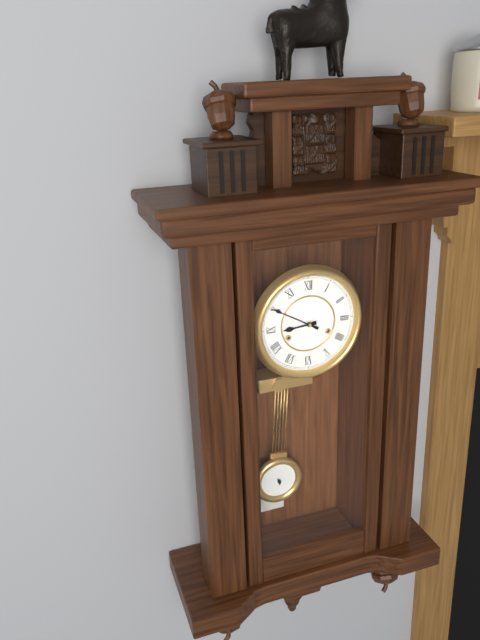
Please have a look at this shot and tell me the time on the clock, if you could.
8:50
